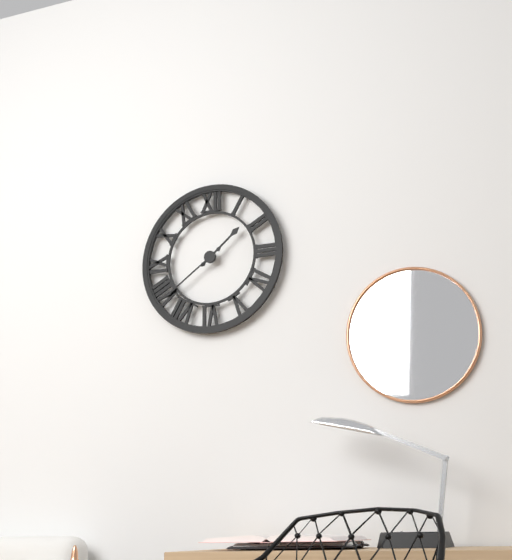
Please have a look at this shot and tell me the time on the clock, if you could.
1:39
